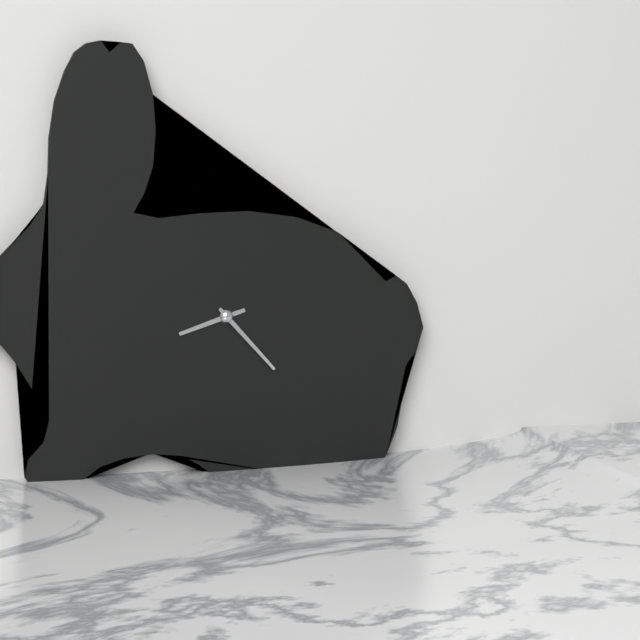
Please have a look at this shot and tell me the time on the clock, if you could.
8:23
